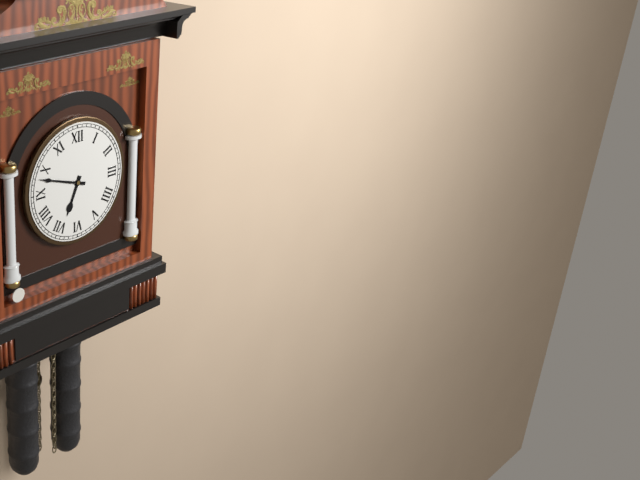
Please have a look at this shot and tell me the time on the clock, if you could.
6:48
